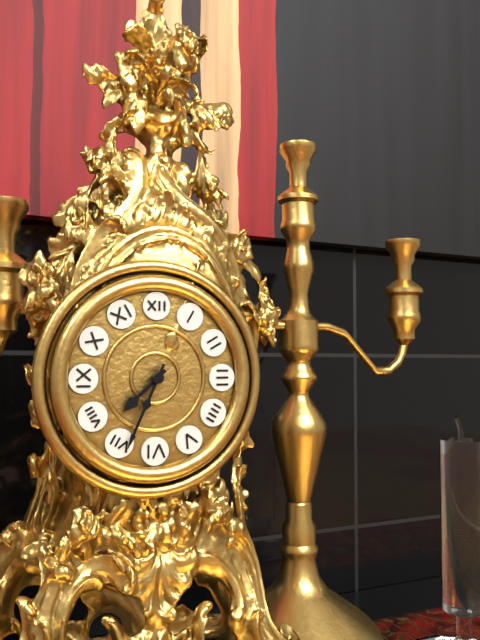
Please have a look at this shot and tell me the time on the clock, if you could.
7:34
